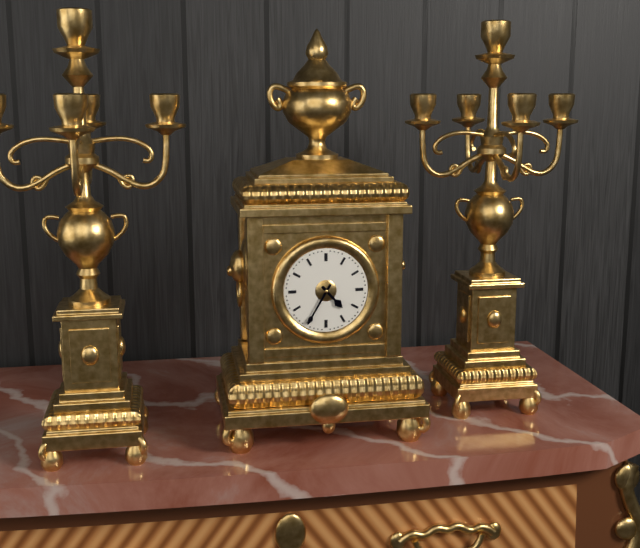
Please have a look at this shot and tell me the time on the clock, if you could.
4:35
